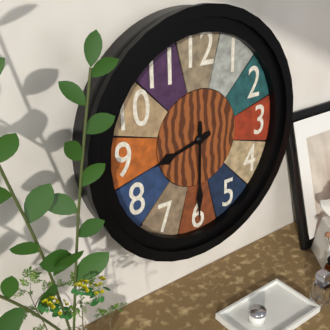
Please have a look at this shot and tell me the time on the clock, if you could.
8:30
